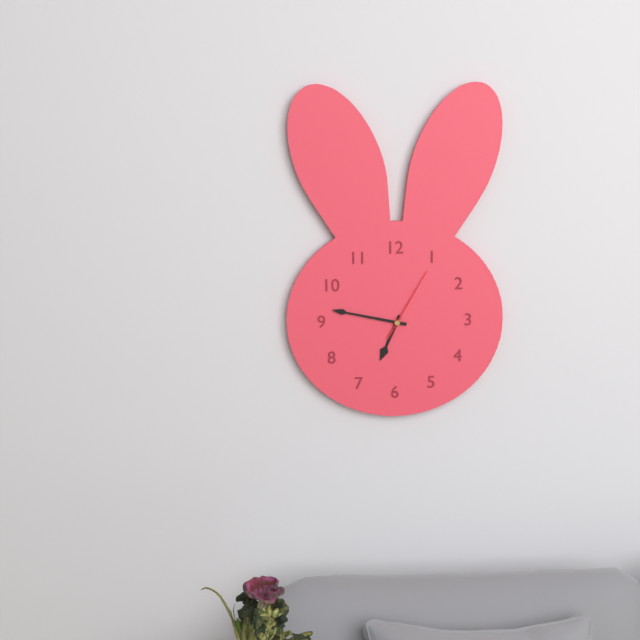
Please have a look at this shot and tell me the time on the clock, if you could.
6:47:05
